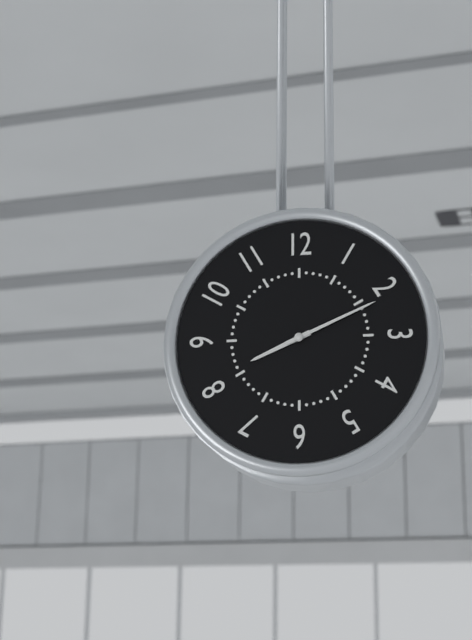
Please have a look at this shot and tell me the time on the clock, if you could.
8:11
